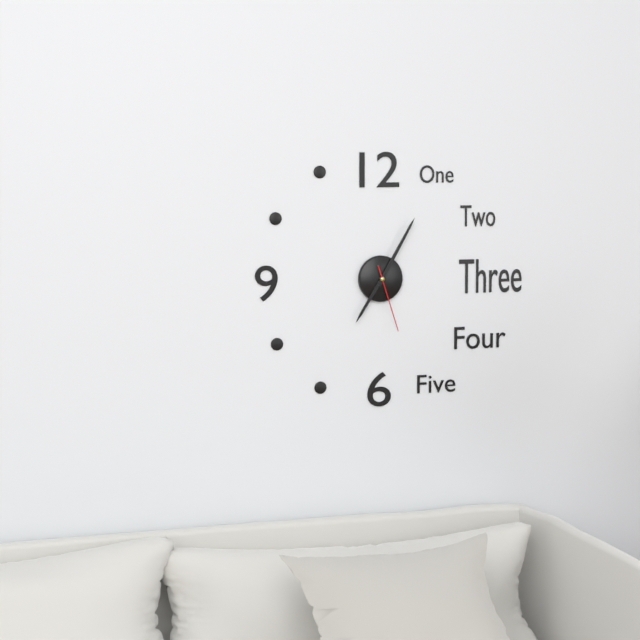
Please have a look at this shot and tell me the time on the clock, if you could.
7:05:27
